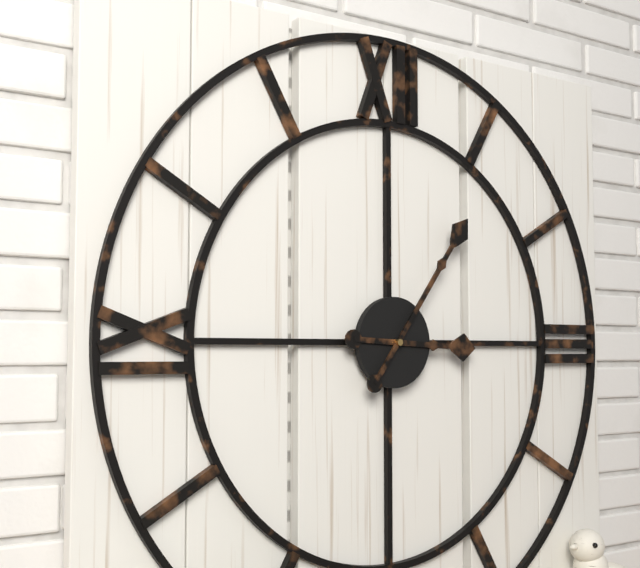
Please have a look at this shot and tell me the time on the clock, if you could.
3:06
